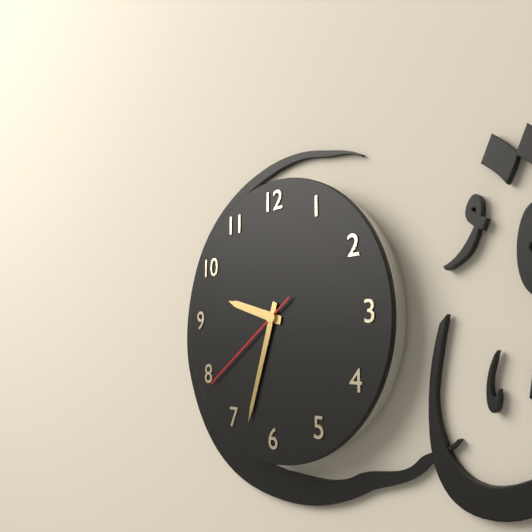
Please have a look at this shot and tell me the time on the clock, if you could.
9:33:39
